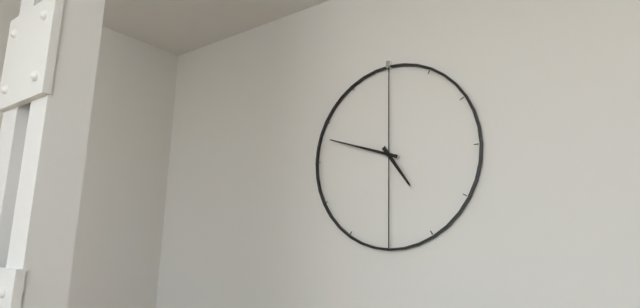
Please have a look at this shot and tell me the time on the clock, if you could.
4:48
